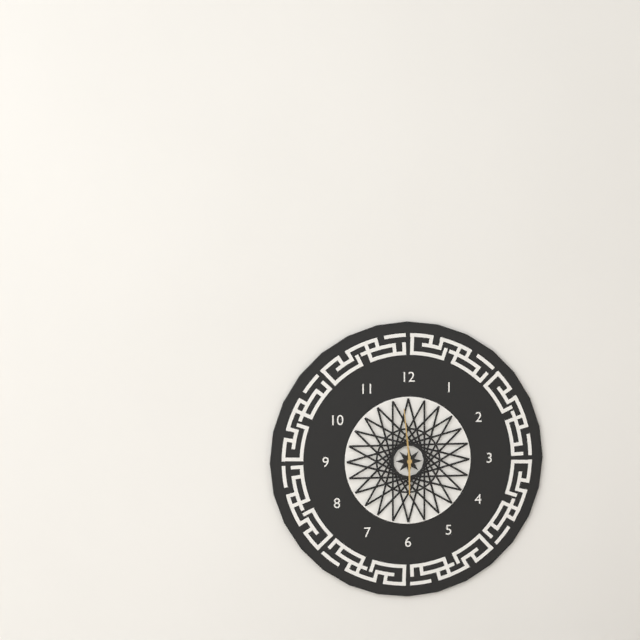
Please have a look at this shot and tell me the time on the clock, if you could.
5:59
